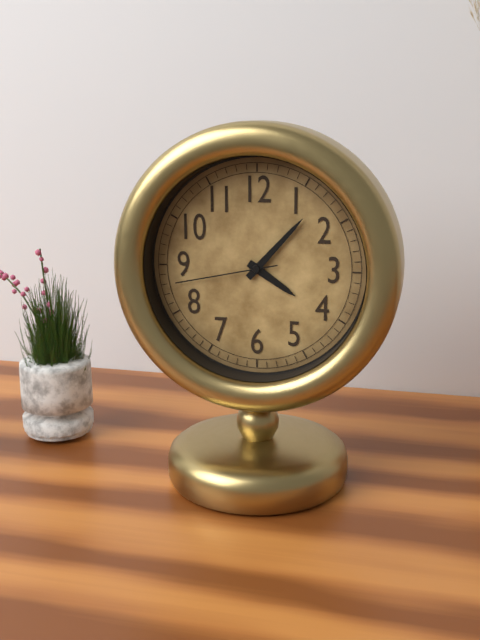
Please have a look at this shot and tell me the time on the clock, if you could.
4:07:43
